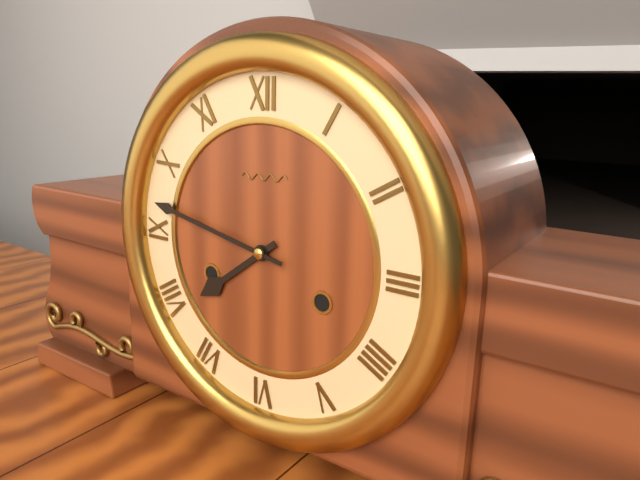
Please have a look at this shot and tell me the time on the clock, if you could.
7:47
